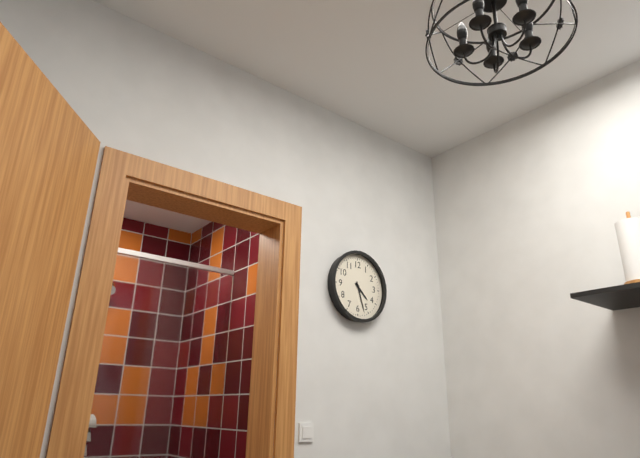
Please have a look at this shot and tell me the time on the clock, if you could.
4:27
